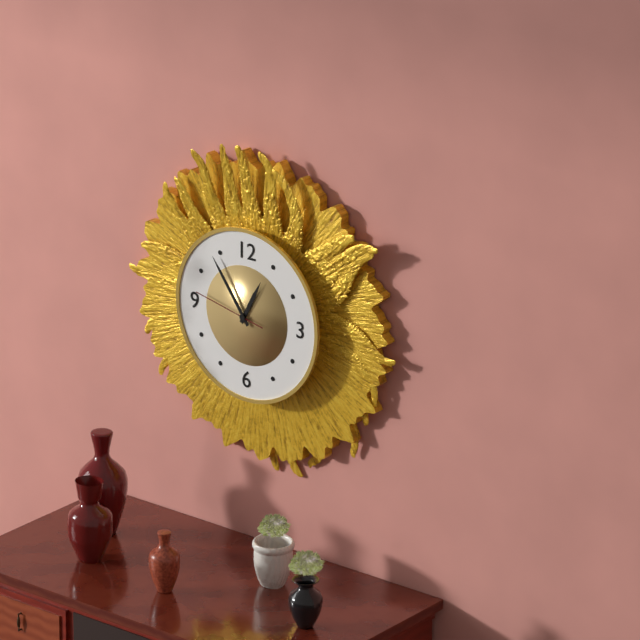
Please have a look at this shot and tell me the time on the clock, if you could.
12:54:47
